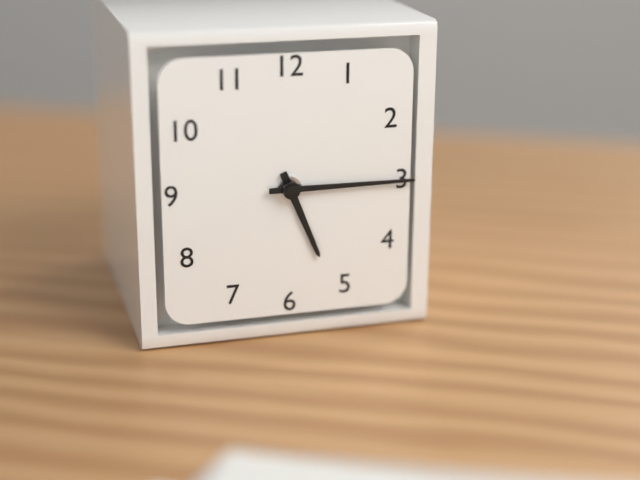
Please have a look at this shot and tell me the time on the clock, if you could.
5:15
